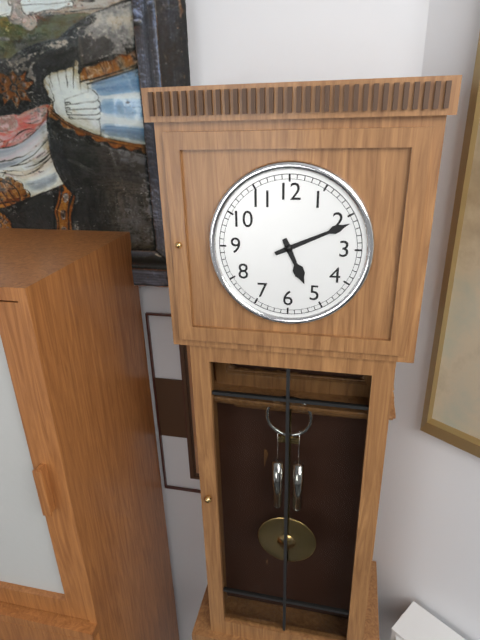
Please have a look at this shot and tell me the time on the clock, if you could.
5:11
